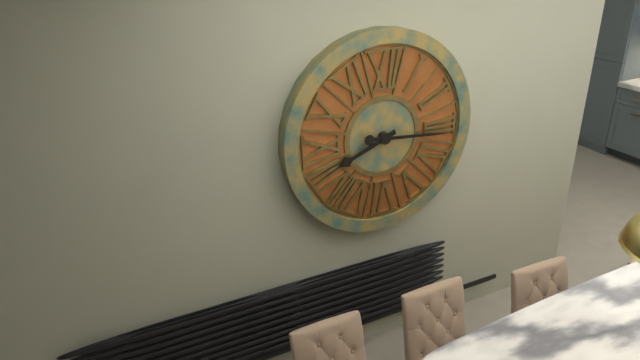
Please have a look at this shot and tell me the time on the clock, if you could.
8:16
